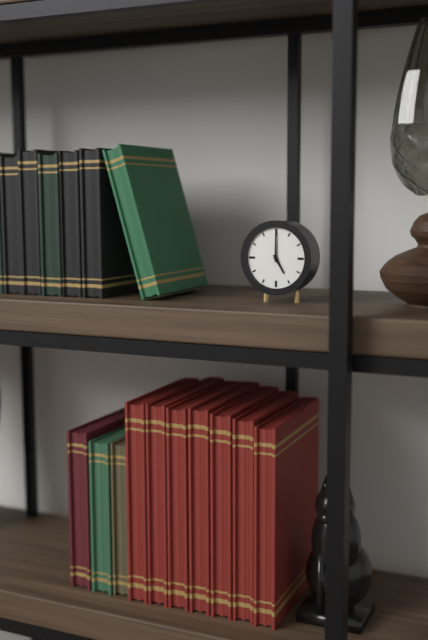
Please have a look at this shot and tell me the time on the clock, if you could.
5:00
